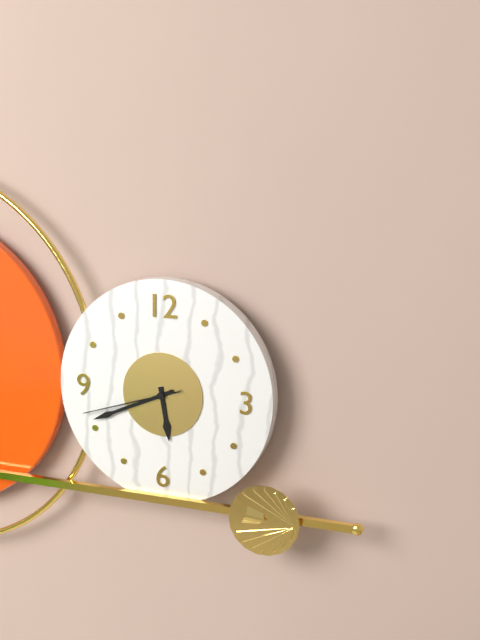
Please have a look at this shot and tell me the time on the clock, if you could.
5:41:42
